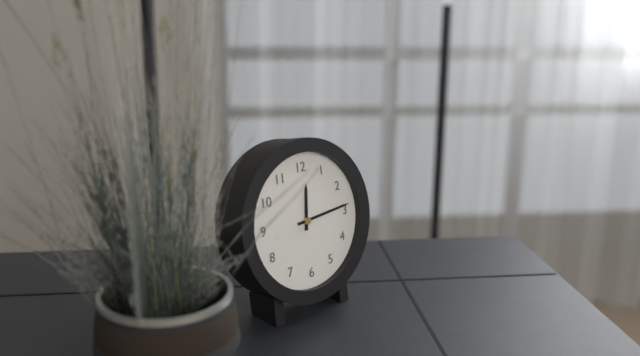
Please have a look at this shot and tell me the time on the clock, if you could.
12:14
